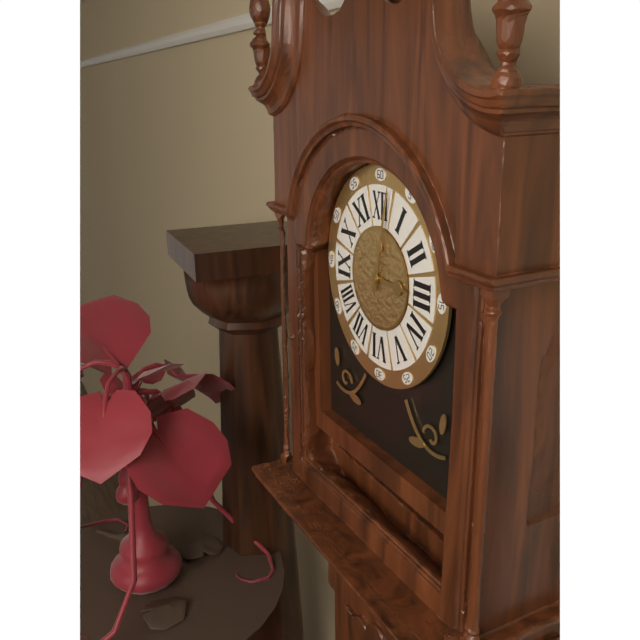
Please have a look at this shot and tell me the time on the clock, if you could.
3:02
